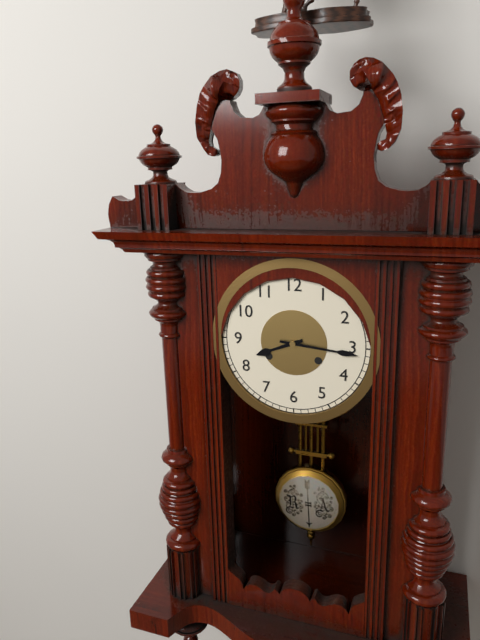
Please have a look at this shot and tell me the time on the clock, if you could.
8:16
